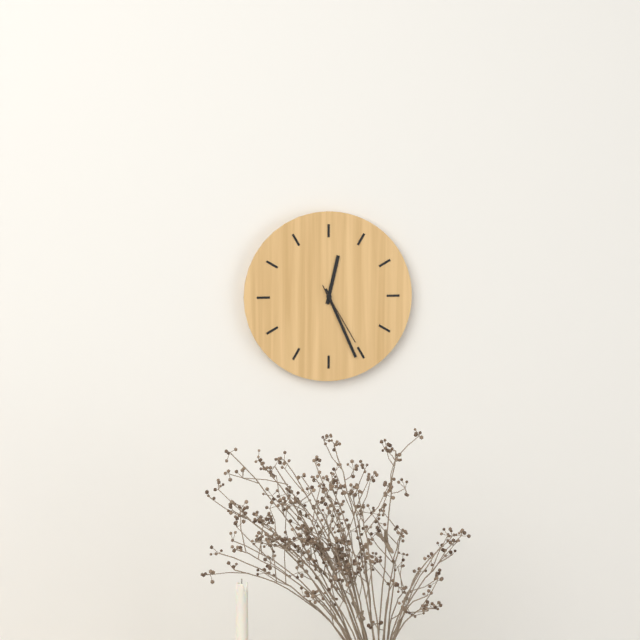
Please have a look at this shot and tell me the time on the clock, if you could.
12:26:25
